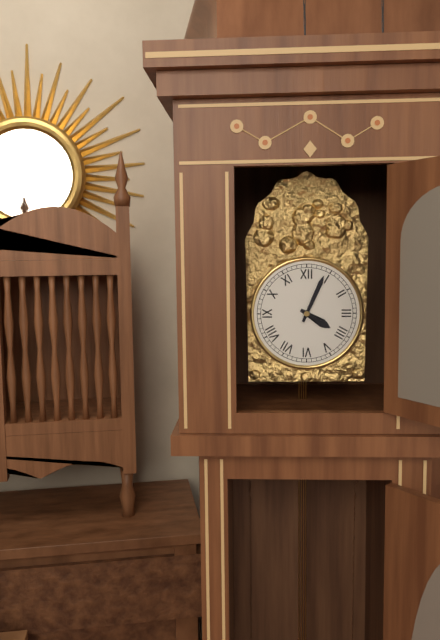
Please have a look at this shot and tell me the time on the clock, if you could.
4:04
